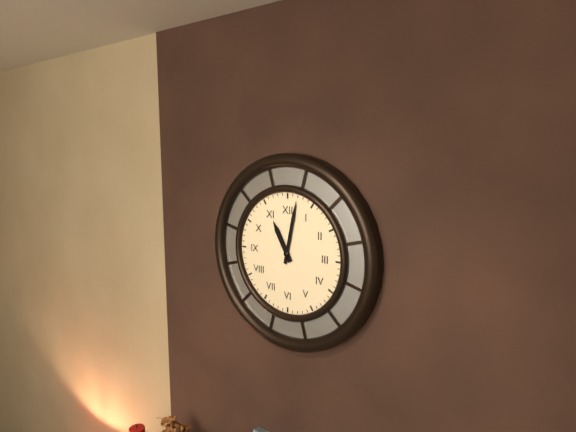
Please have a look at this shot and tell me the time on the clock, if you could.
11:02
